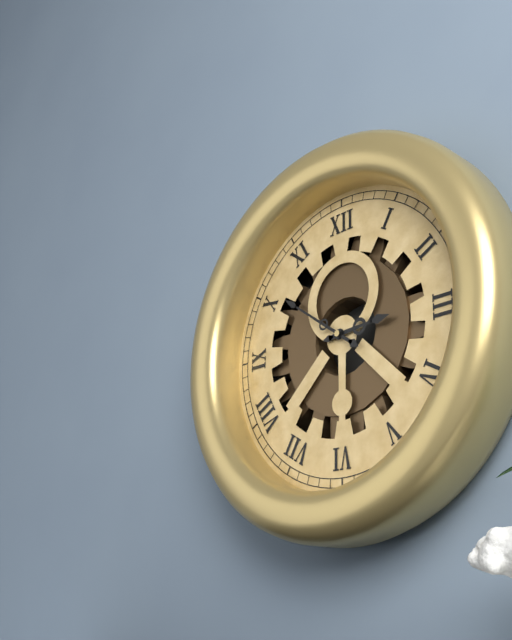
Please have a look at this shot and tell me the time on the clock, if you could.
2:51
